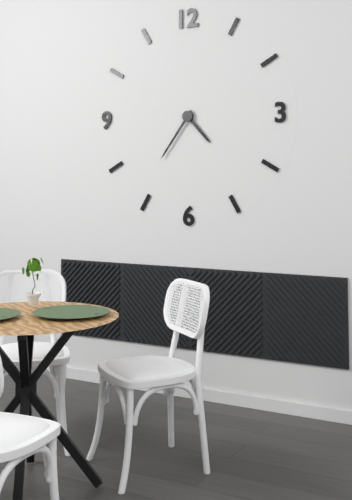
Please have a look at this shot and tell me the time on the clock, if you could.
4:36
